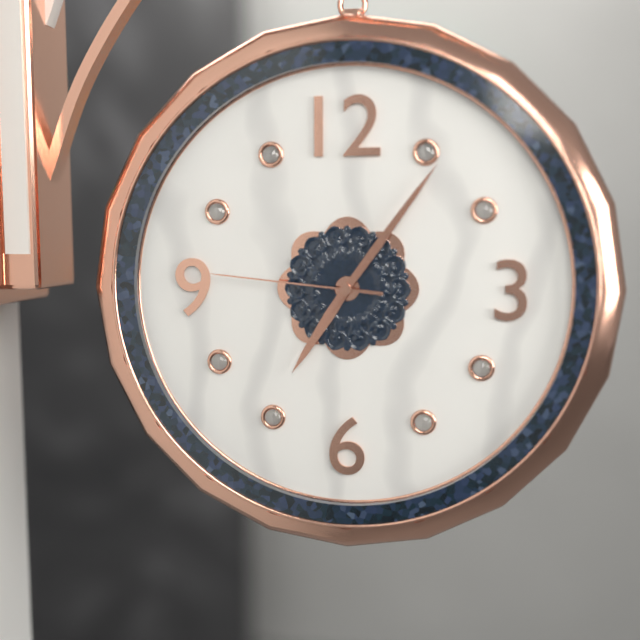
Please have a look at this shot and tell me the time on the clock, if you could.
7:06:46
